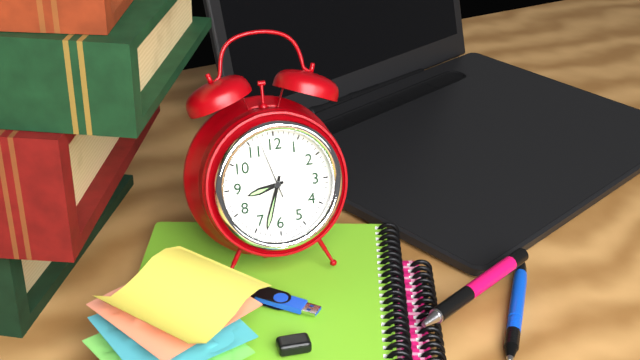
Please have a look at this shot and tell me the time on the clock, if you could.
8:33:57
